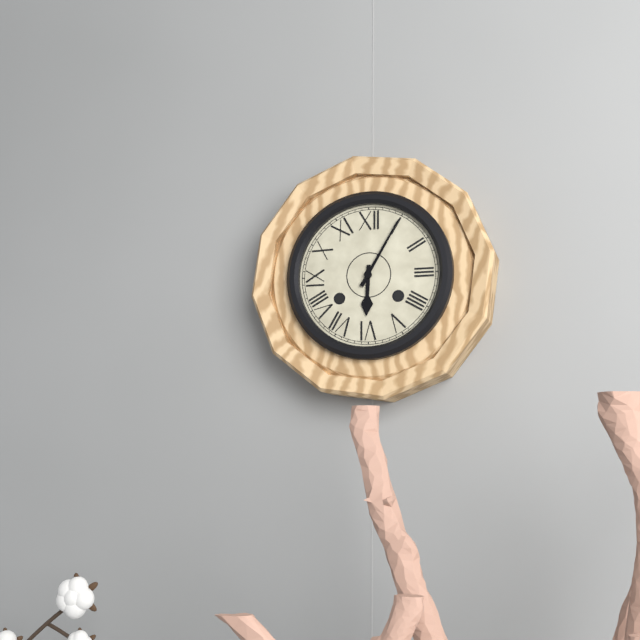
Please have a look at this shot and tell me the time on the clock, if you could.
6:05
